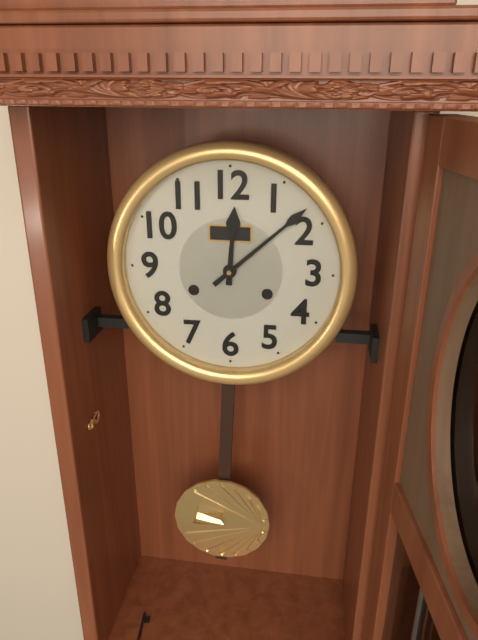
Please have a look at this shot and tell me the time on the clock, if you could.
12:08
